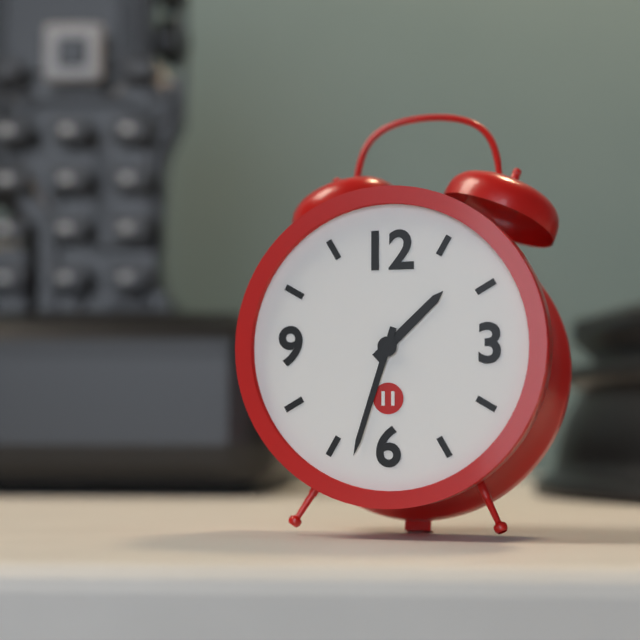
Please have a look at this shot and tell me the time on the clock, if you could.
1:33
